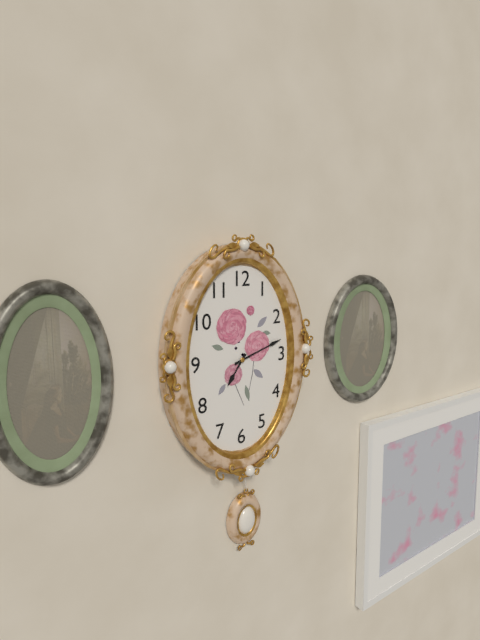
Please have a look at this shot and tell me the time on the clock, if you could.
7:12
